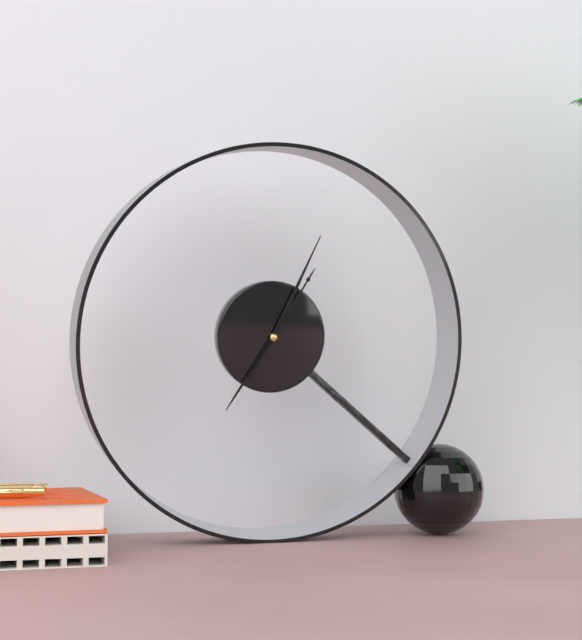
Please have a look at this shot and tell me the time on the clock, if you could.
7:04:05
